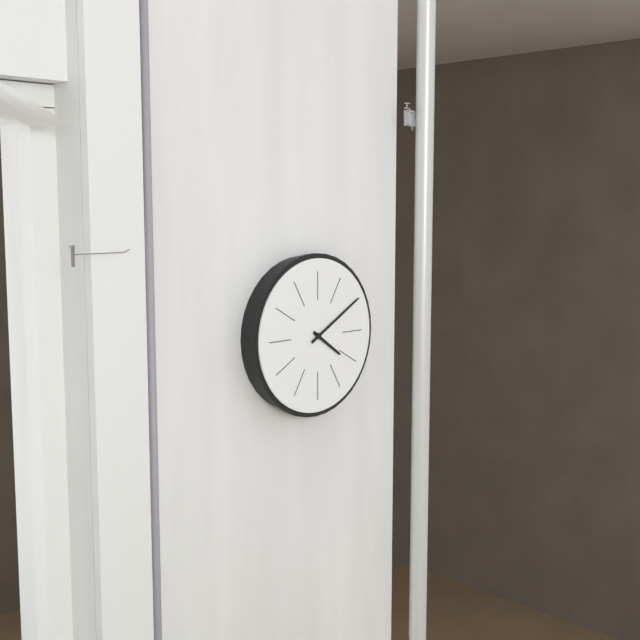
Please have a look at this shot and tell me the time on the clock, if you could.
4:10
